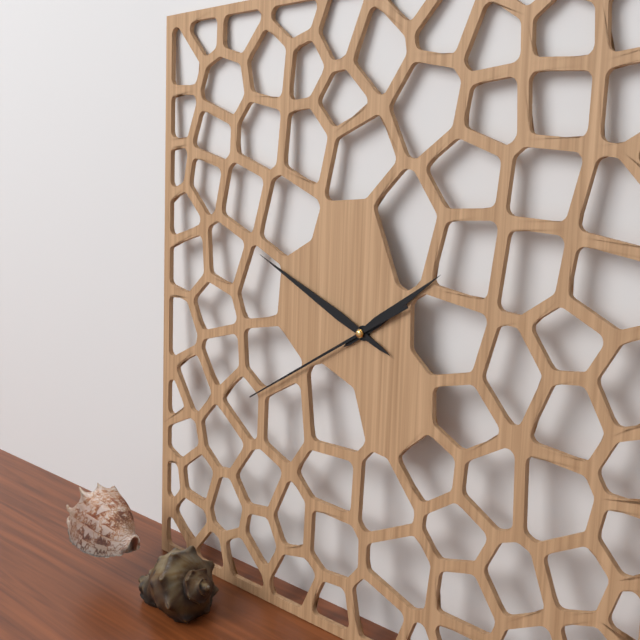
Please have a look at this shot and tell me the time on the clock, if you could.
1:49:40
